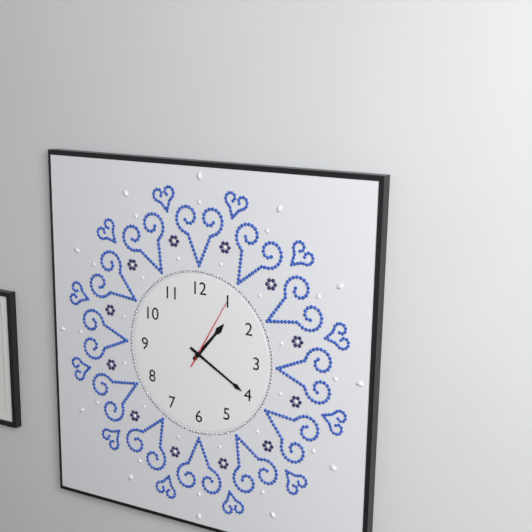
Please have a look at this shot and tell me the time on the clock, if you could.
1:20:05
